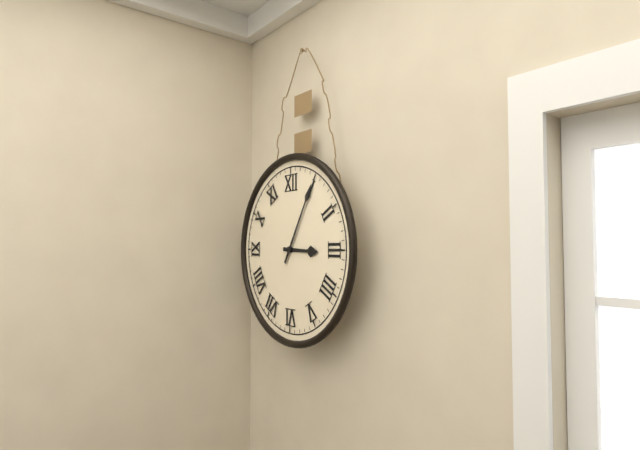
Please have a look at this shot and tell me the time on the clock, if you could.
3:05
